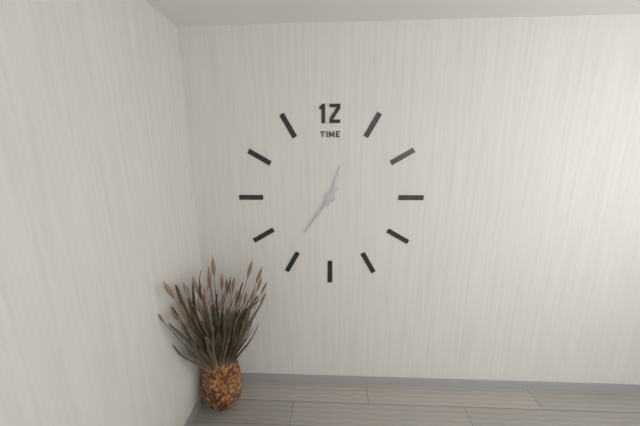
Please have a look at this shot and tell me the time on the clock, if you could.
12:36
